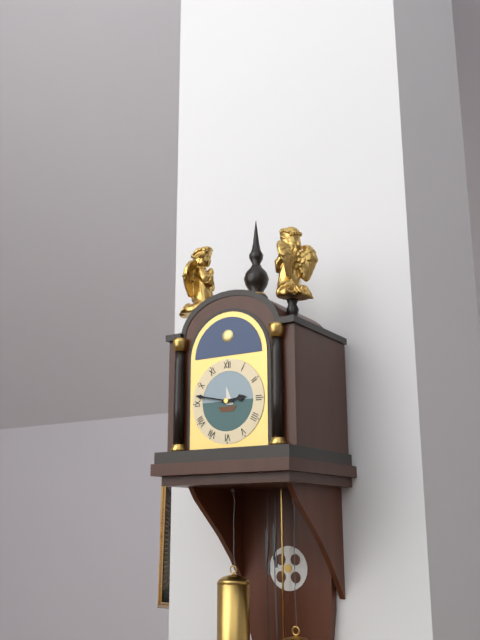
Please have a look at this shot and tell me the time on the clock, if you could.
2:47
